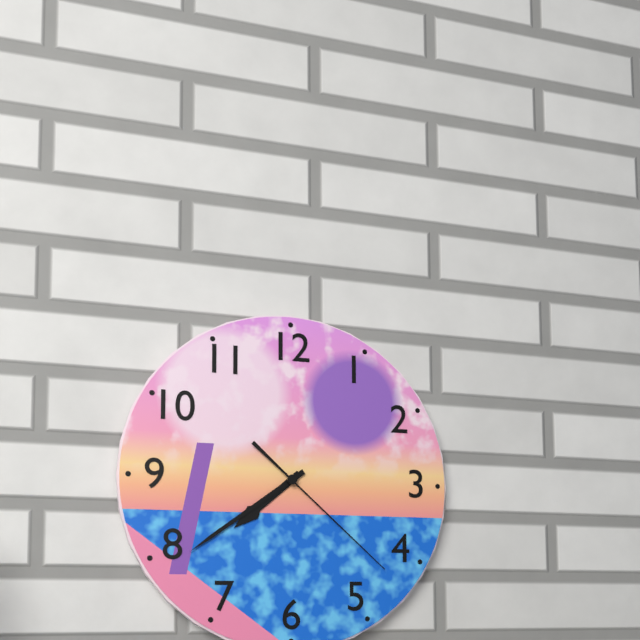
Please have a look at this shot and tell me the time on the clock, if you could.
7:39:22
